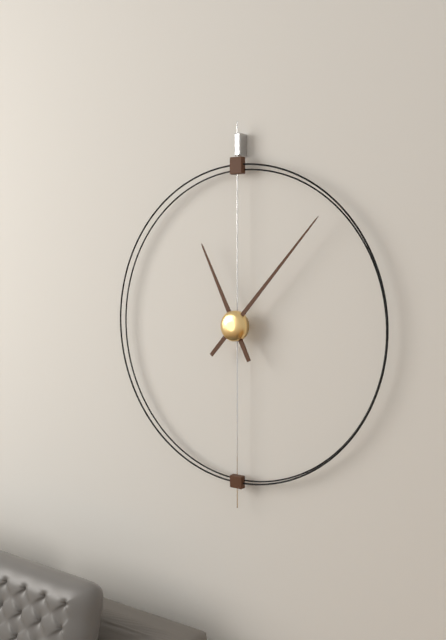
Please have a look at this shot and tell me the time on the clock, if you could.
11:07
